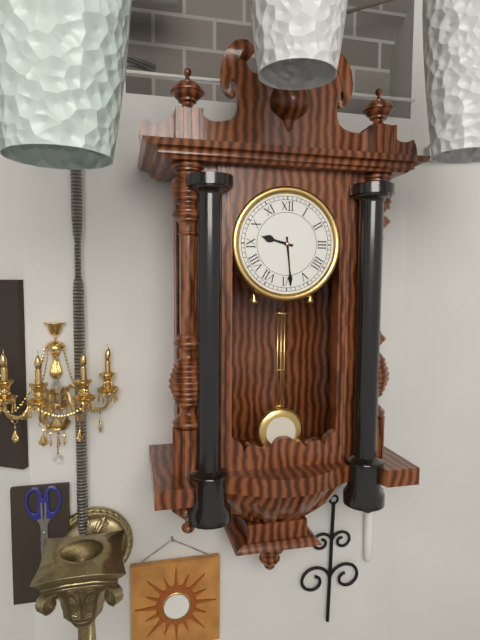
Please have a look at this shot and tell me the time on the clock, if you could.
9:29
